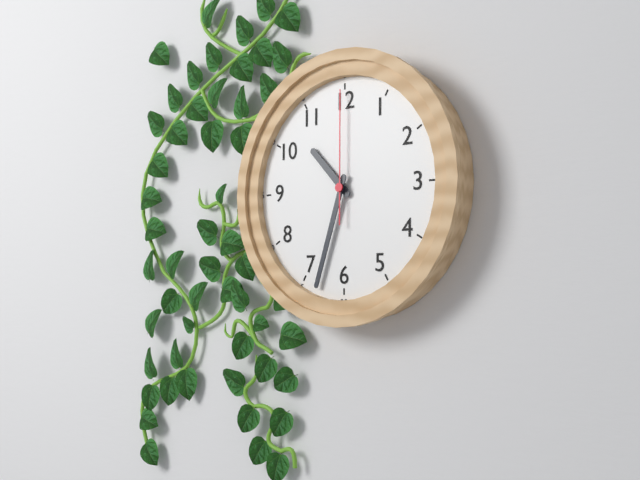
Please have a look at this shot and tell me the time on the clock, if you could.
10:33:00
